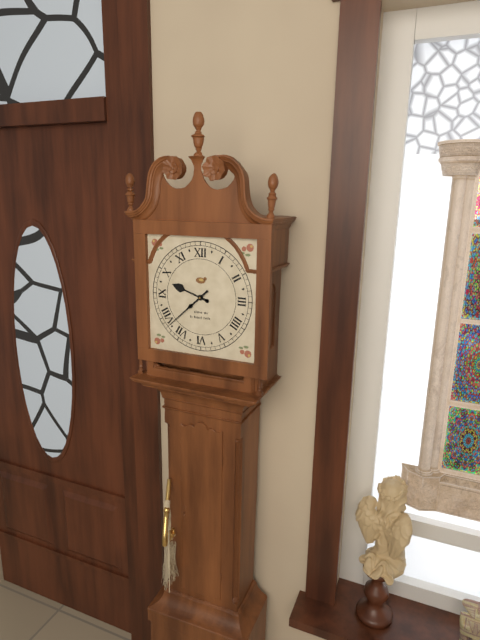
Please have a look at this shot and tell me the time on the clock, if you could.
9:38
